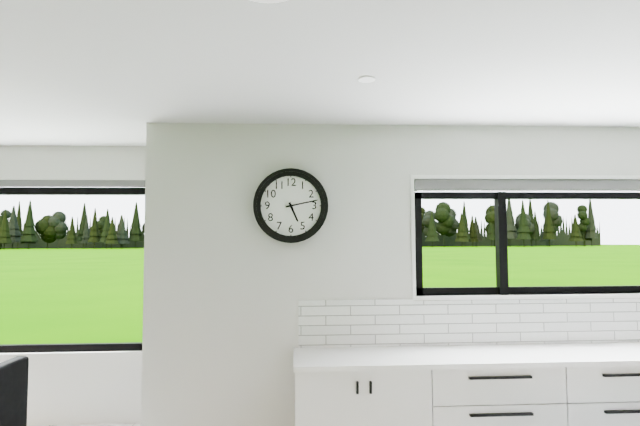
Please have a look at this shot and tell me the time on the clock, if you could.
5:13
